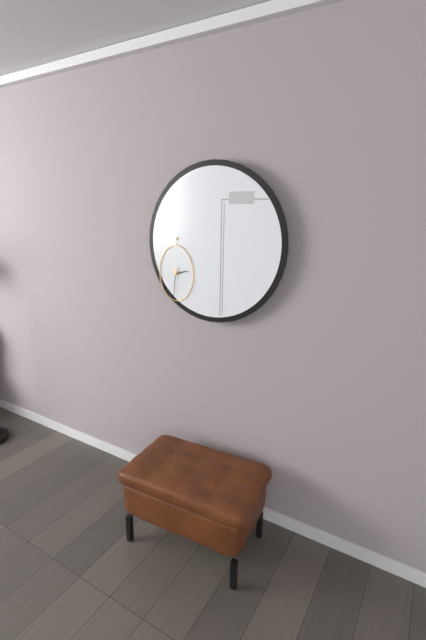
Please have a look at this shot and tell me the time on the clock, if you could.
2:31
